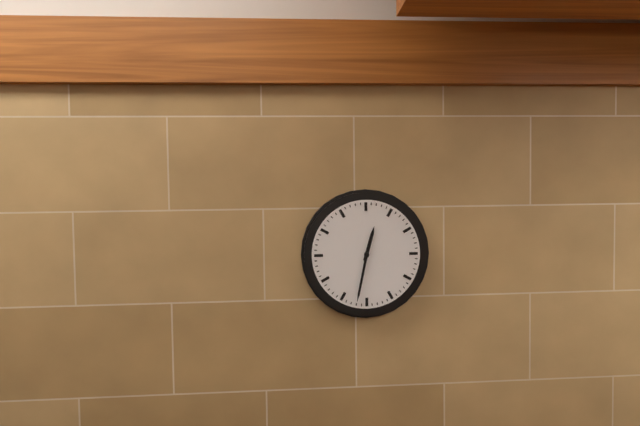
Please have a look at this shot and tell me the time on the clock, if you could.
12:32
